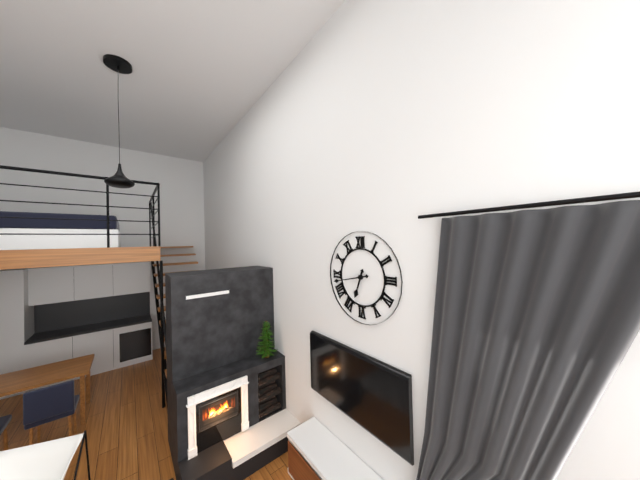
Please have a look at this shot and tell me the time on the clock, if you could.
6:43
